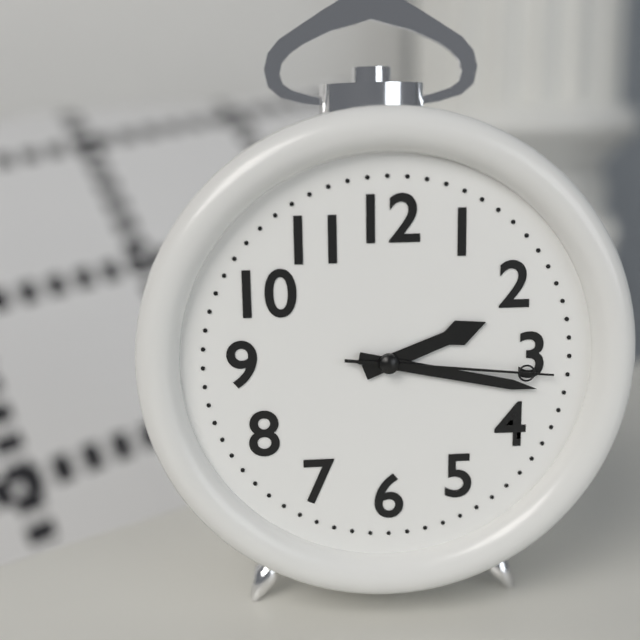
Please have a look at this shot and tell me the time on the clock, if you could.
2:17:16
